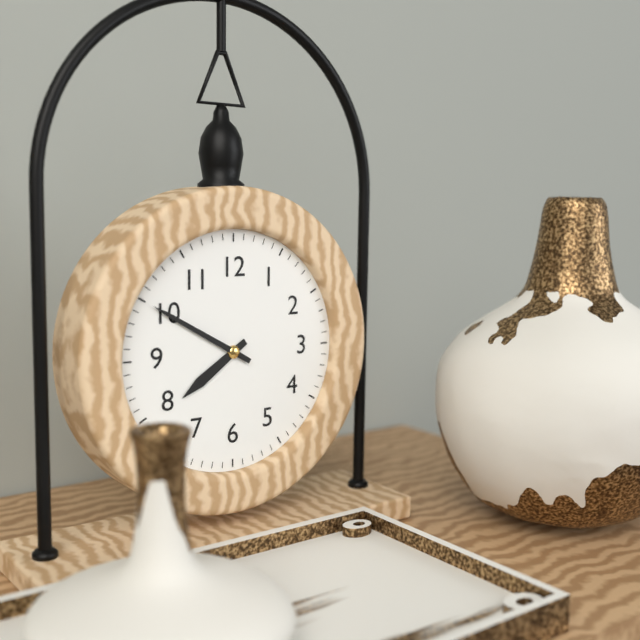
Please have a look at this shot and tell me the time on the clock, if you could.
7:50
